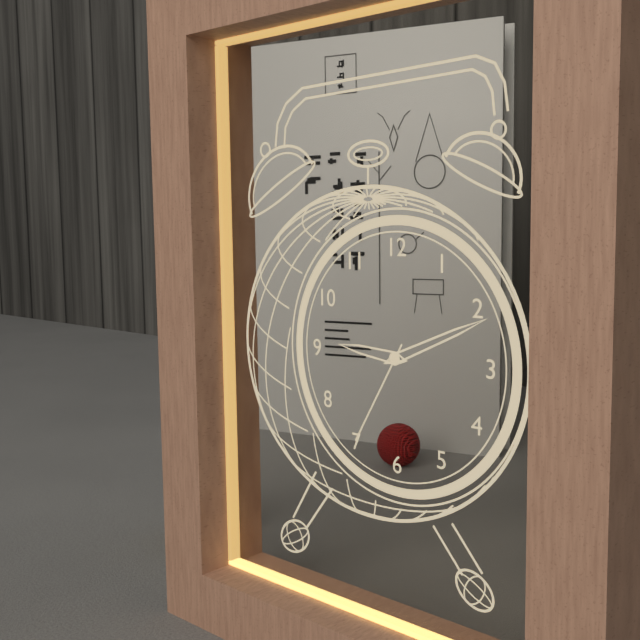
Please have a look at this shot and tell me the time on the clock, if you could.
9:11:35
